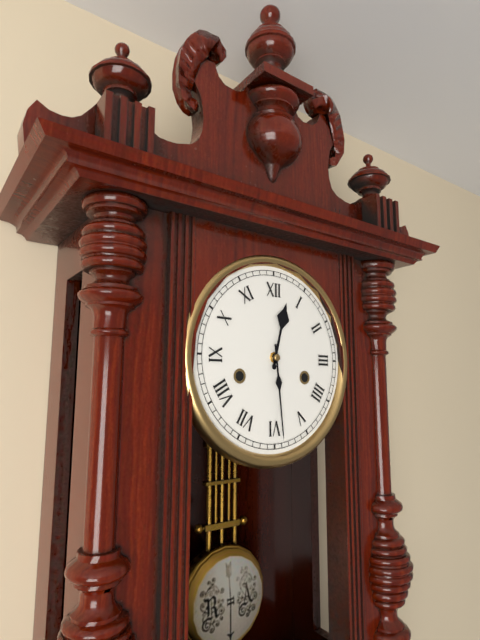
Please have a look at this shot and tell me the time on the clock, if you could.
12:29
